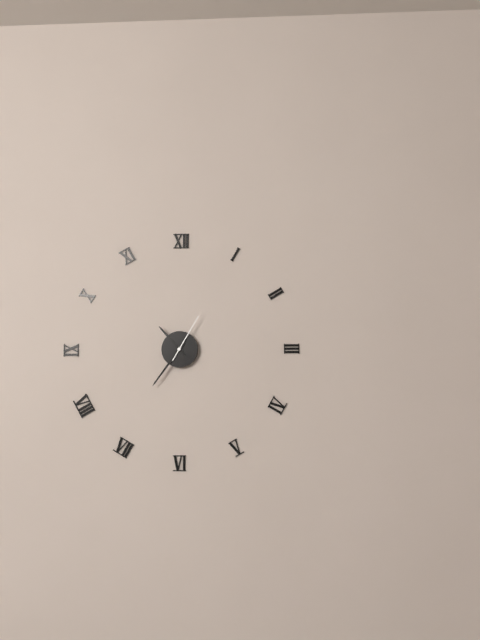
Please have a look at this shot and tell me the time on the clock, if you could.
10:36
